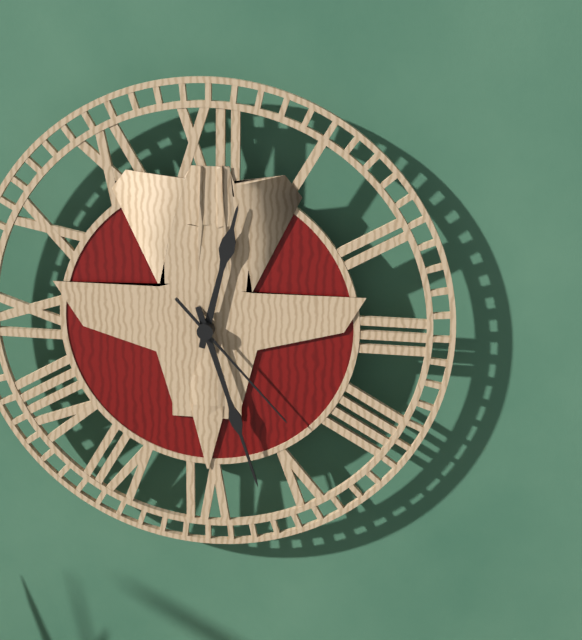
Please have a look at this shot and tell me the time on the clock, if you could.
12:27:23
